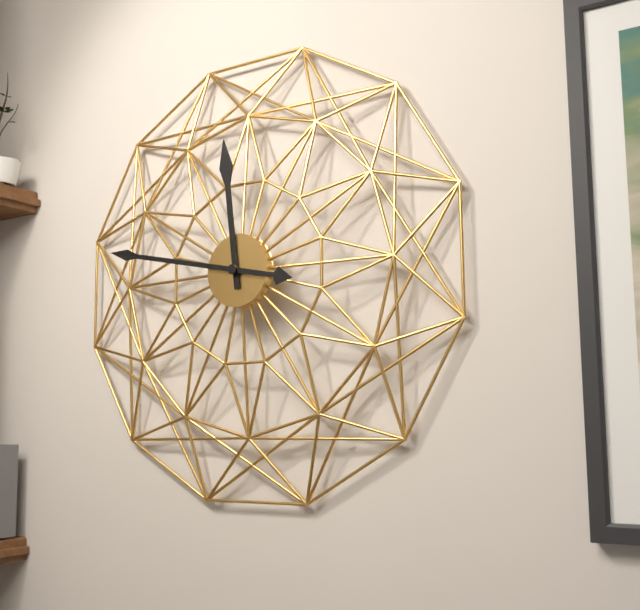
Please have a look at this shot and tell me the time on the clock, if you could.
11:47
